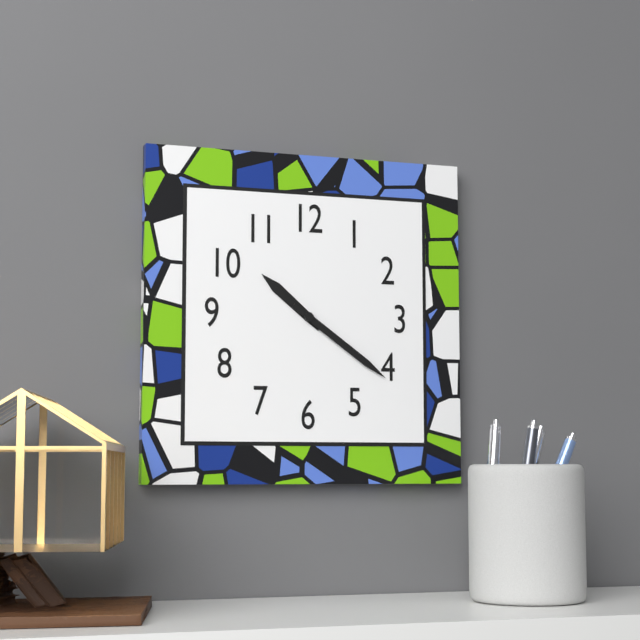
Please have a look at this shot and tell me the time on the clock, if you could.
10:21
